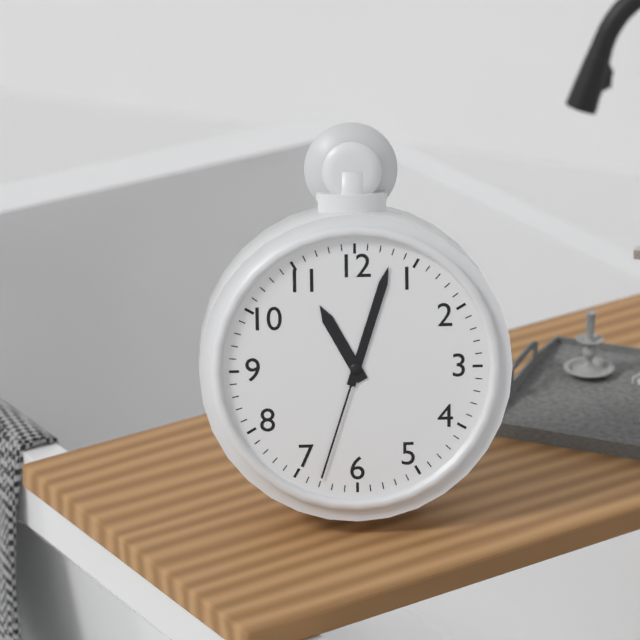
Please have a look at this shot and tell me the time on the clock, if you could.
11:03:33
